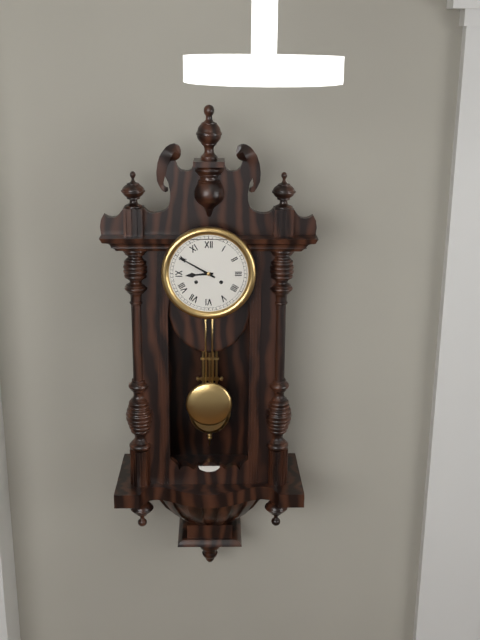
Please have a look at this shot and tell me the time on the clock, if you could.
8:50
